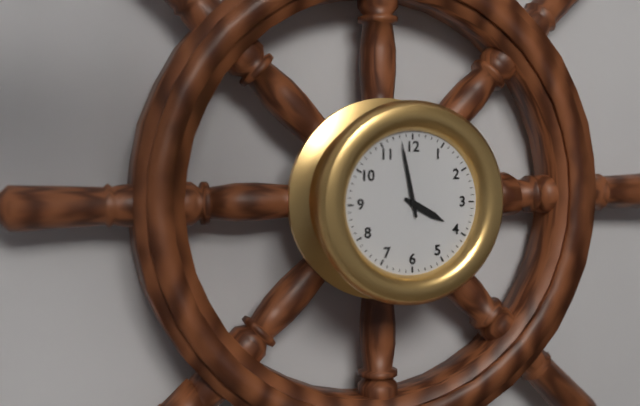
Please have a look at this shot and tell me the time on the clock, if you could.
3:58
